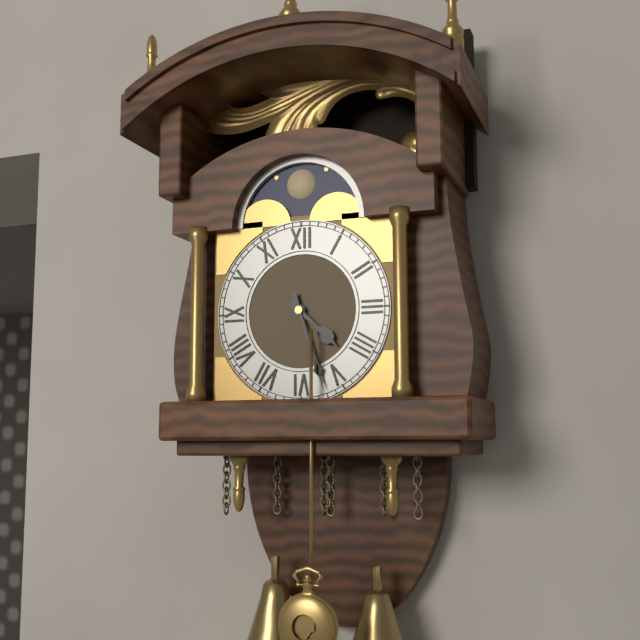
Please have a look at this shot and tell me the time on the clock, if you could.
4:27
